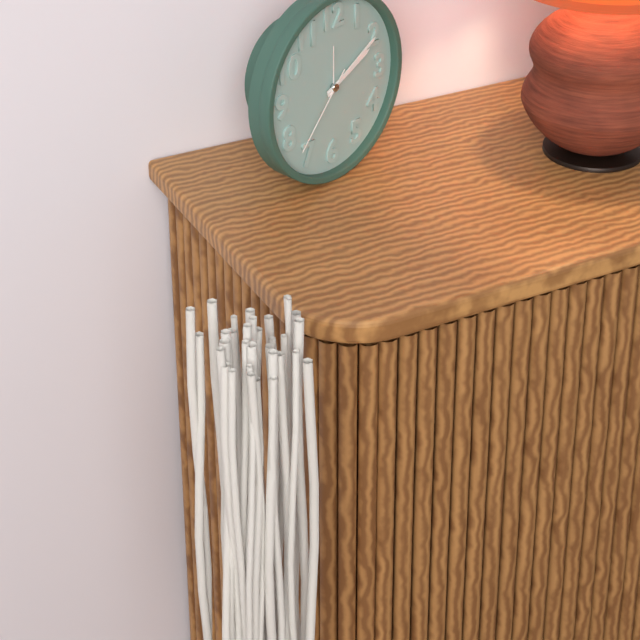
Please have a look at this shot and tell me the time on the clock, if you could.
2:10:37
